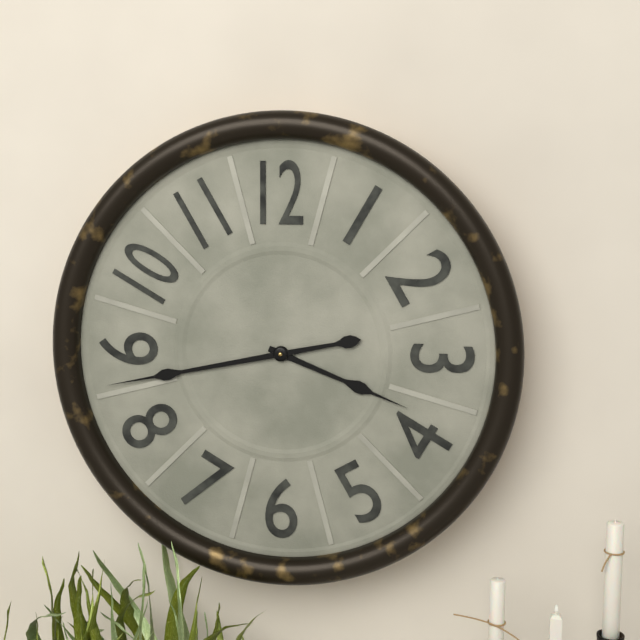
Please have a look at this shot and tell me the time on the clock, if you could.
3:43
